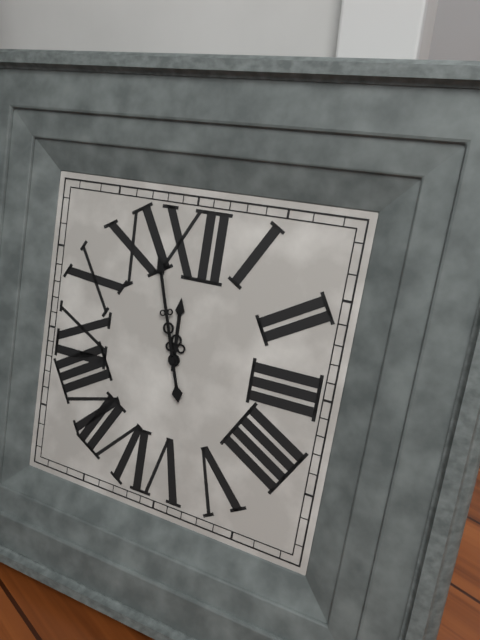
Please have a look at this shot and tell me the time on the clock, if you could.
11:57
